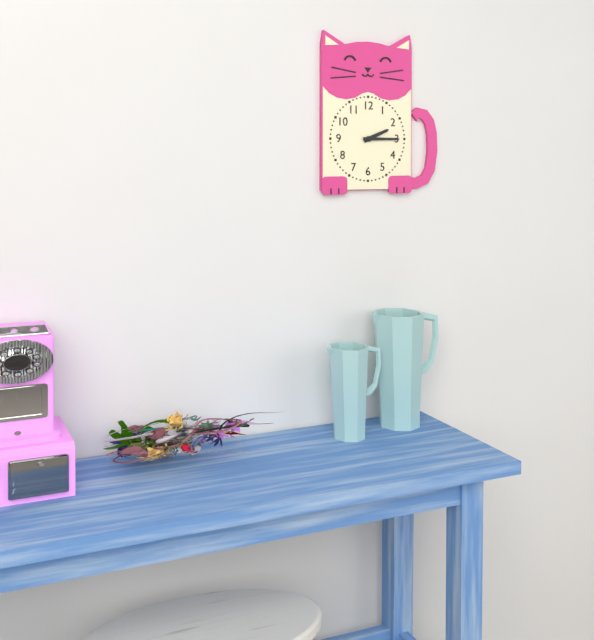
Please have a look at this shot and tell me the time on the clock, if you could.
2:15
